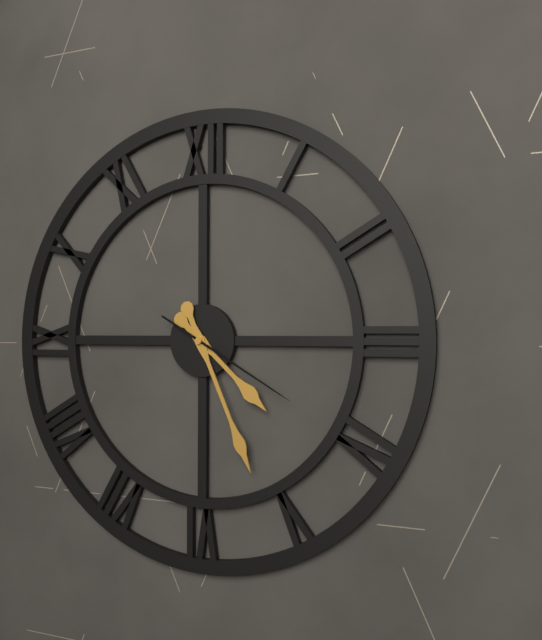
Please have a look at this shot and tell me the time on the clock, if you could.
4:26:20
